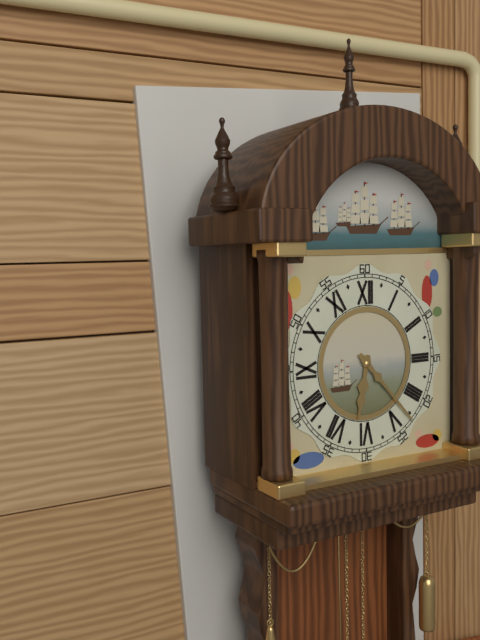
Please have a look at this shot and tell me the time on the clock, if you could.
6:23
